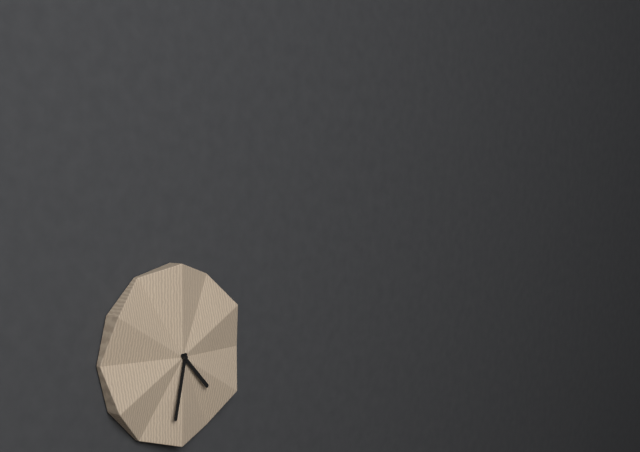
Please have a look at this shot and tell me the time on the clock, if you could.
4:32
